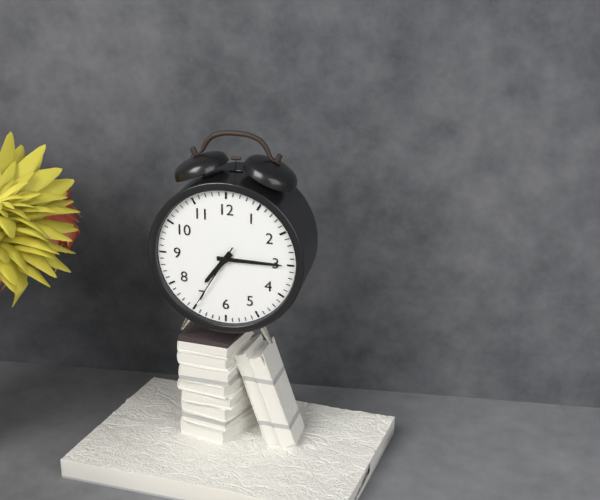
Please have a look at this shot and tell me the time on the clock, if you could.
7:15:35
